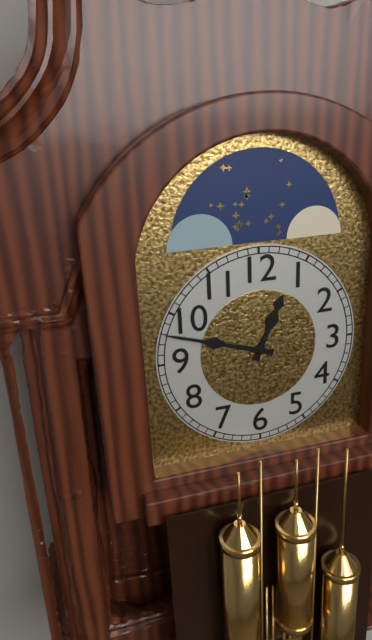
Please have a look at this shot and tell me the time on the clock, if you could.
12:48
